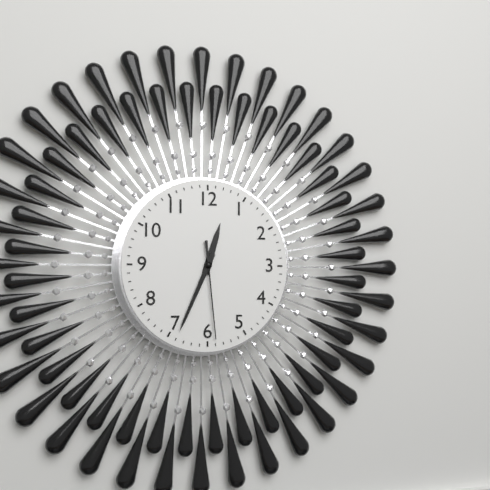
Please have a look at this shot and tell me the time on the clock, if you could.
12:34:29
